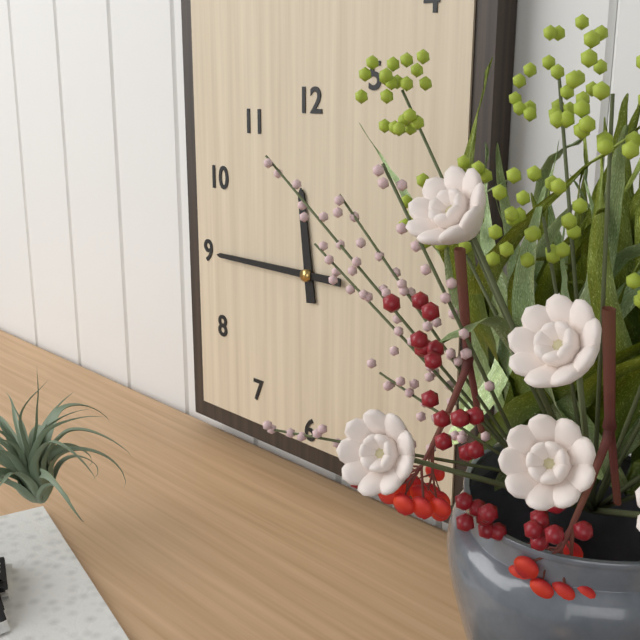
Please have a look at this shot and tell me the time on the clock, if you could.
11:45
